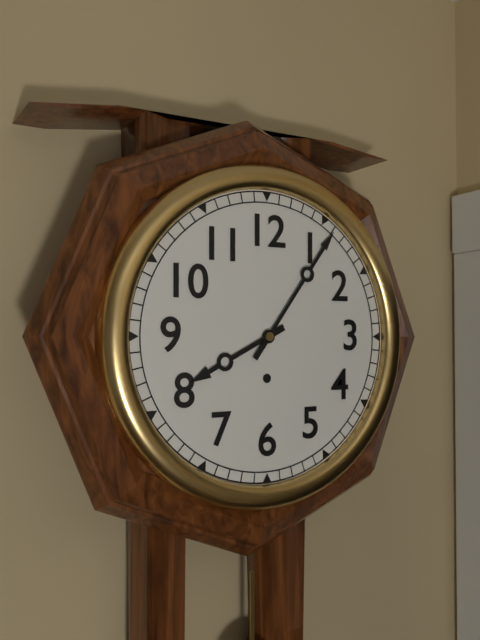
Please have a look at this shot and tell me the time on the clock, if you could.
8:06
